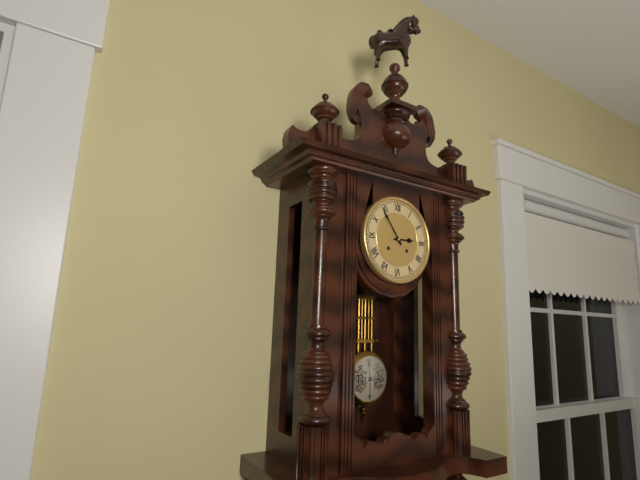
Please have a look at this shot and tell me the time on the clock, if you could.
2:54
